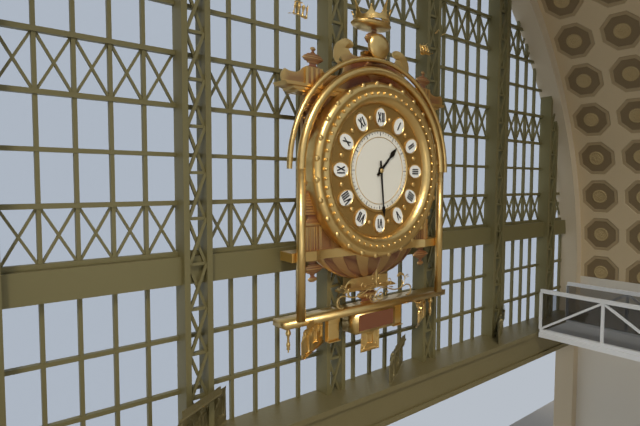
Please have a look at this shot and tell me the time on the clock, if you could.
1:29
